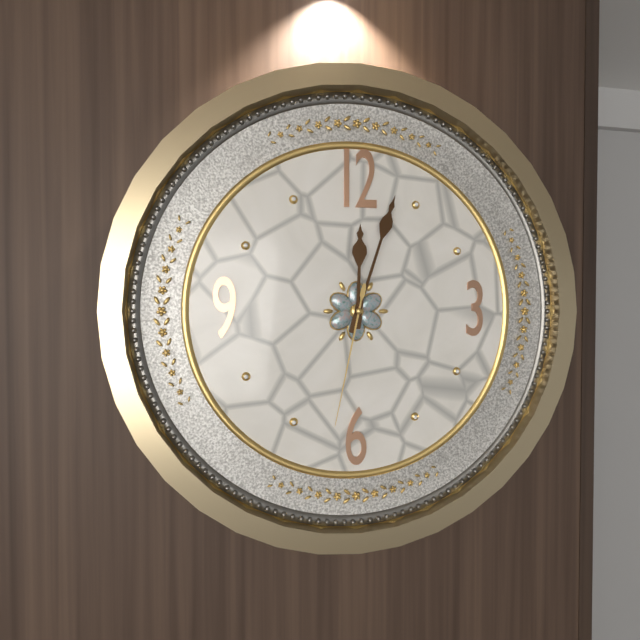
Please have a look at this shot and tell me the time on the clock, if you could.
12:03:32
